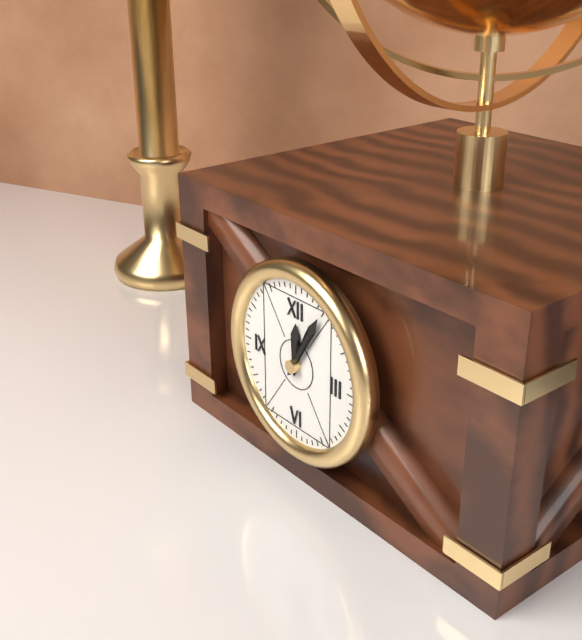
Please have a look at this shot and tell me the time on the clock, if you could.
12:05
